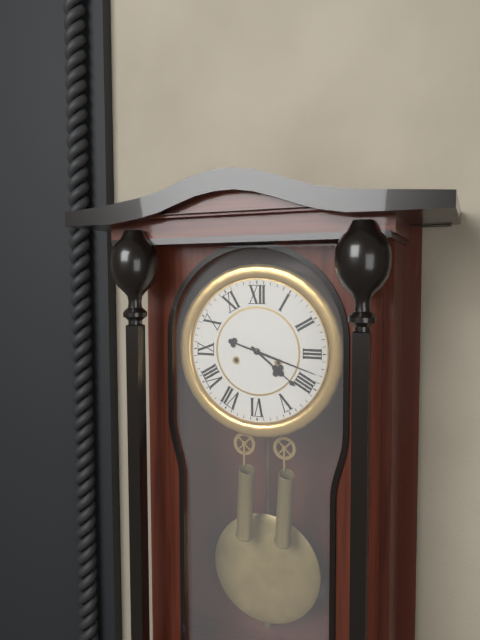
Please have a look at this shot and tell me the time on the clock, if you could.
4:18
